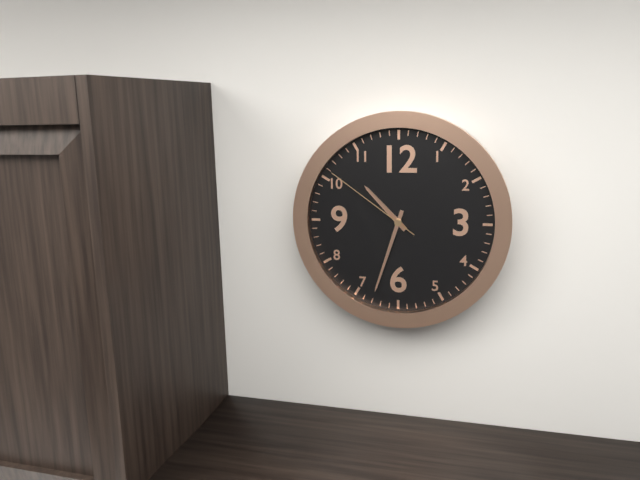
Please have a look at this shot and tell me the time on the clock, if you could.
10:33:51
